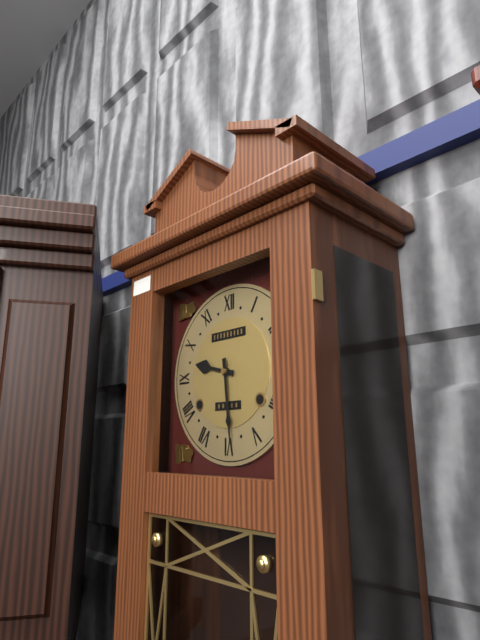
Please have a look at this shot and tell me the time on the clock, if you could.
9:29
